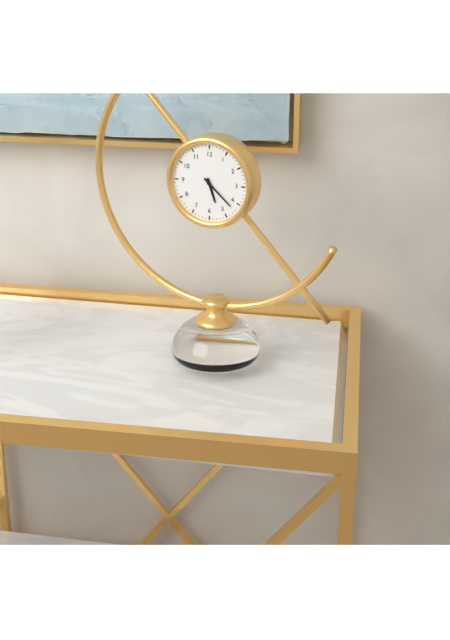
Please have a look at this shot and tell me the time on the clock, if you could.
5:22
